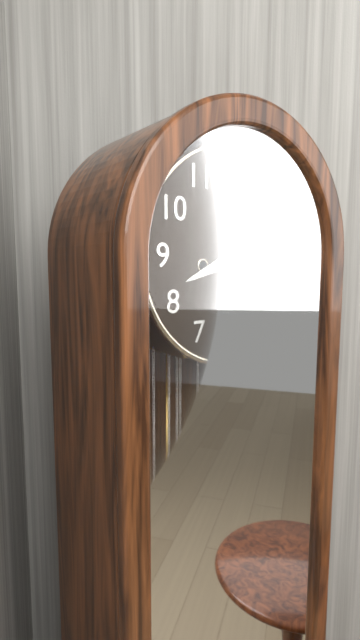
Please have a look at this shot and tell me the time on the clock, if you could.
8:18
